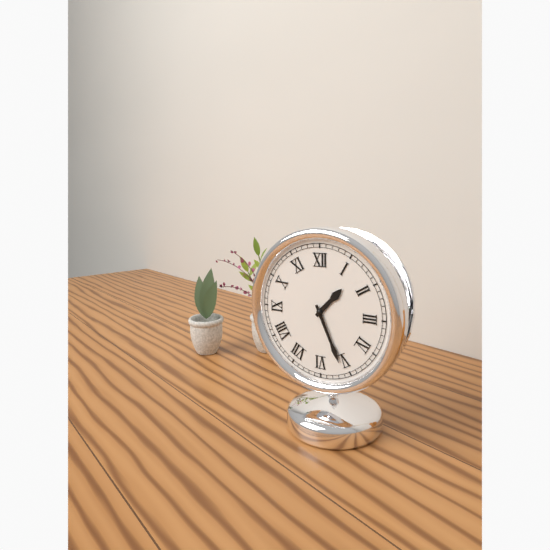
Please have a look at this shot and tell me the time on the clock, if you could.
1:26
